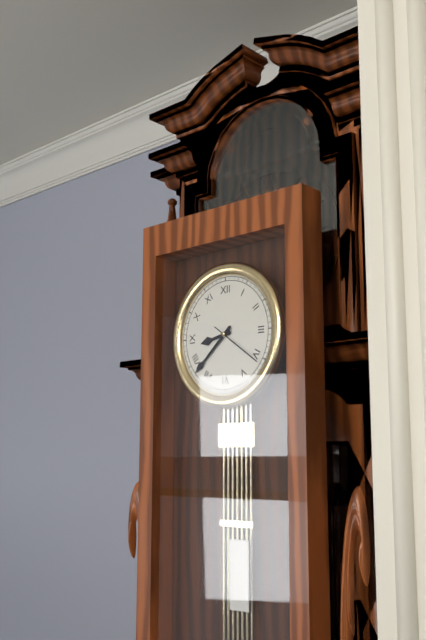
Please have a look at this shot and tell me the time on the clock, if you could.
8:38:21
